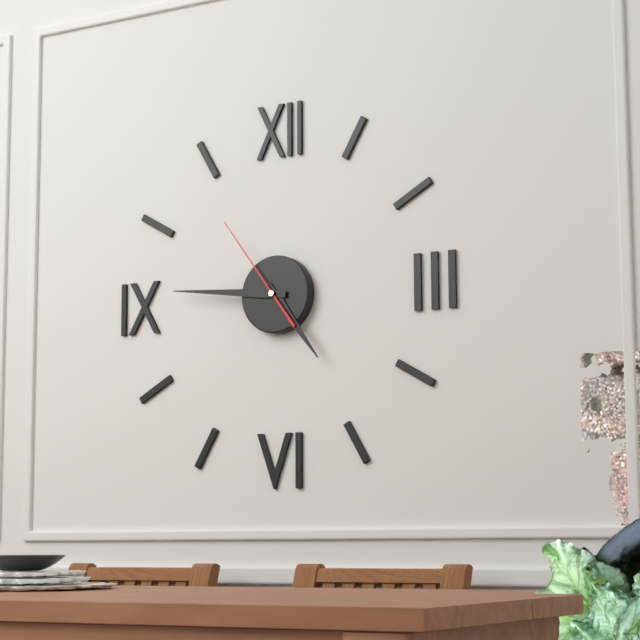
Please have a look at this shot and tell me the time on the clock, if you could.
4:46:54
